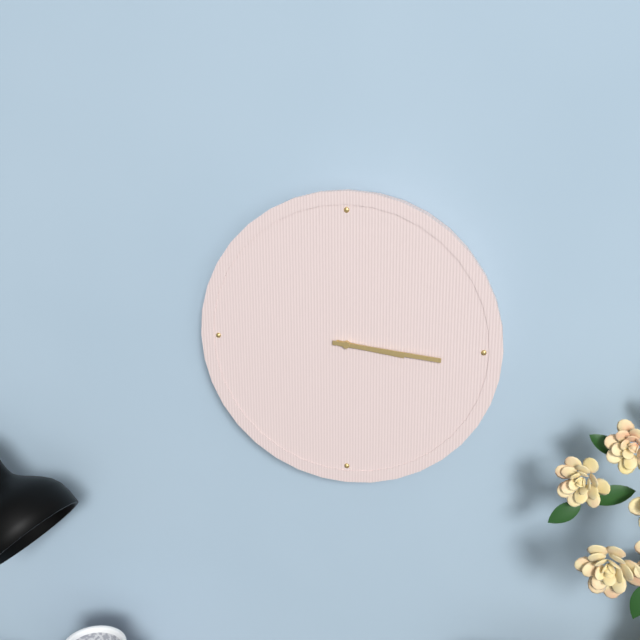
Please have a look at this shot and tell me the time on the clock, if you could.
3:16
